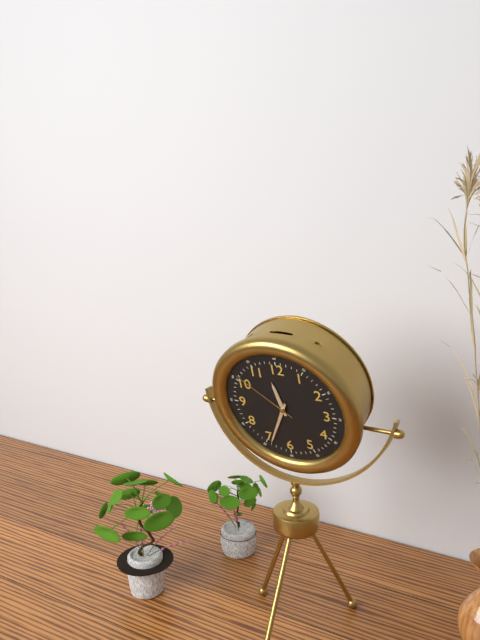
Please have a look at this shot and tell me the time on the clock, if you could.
11:34:51
